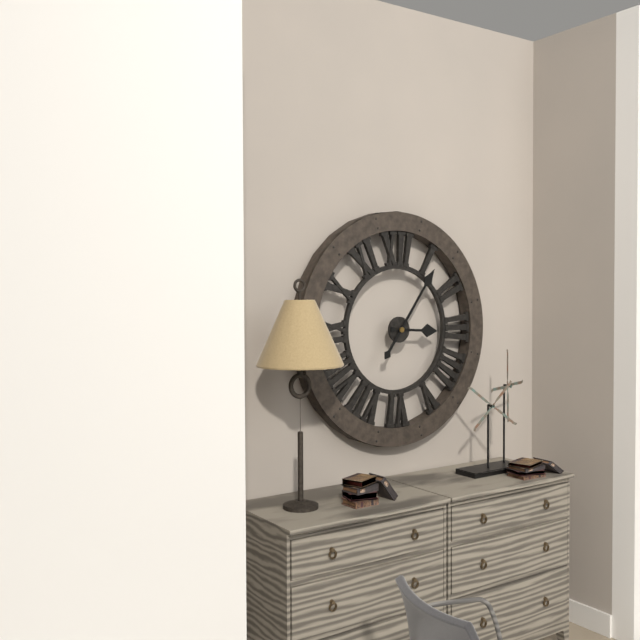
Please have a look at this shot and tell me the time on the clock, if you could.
3:06
